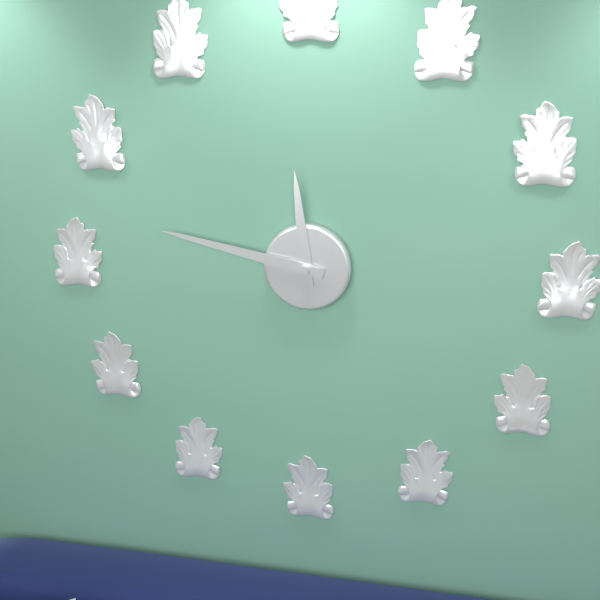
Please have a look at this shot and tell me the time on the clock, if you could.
11:47
